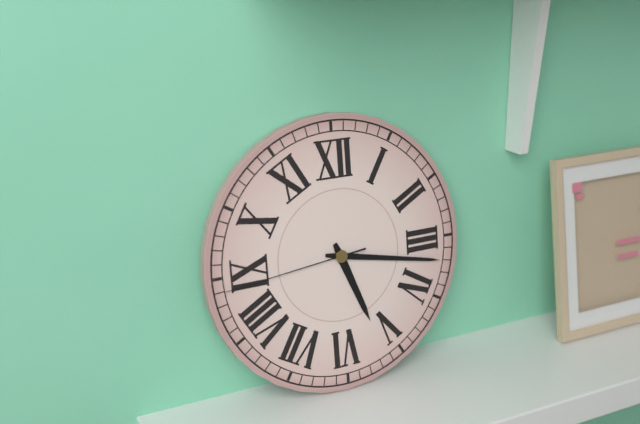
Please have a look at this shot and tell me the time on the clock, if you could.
5:17:44
